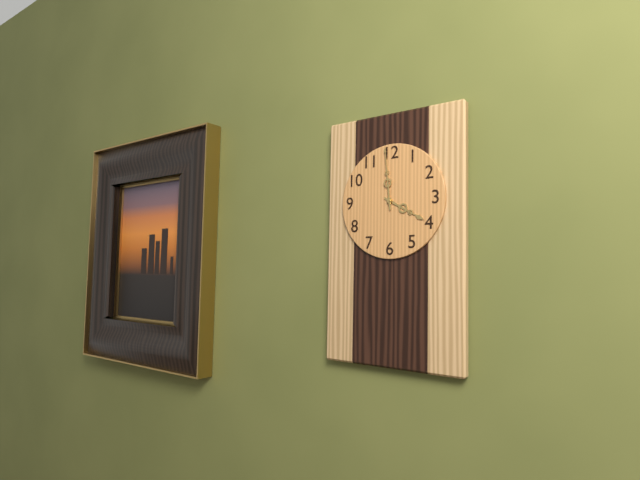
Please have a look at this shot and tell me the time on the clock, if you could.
3:59
